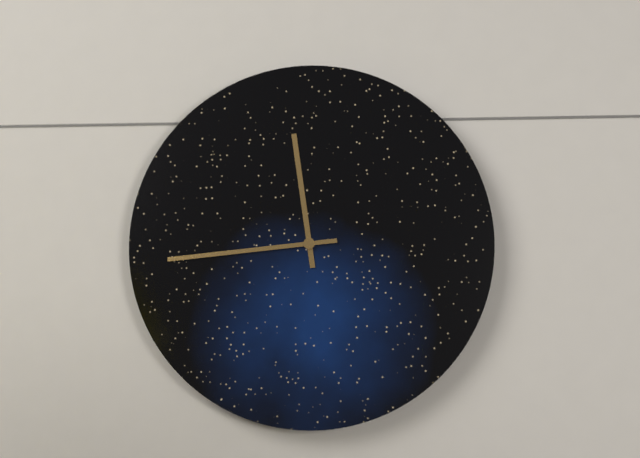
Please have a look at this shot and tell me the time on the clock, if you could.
11:44
